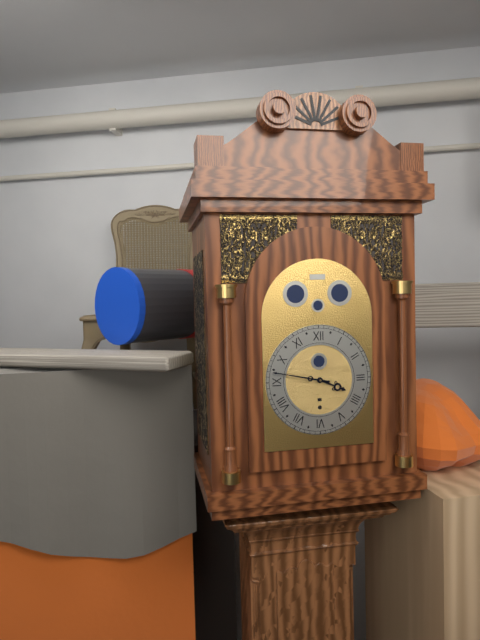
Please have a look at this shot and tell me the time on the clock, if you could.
3:47
